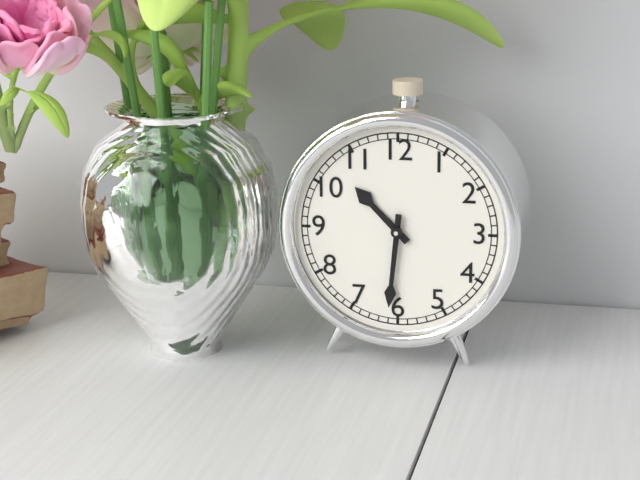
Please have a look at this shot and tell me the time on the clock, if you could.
10:31
